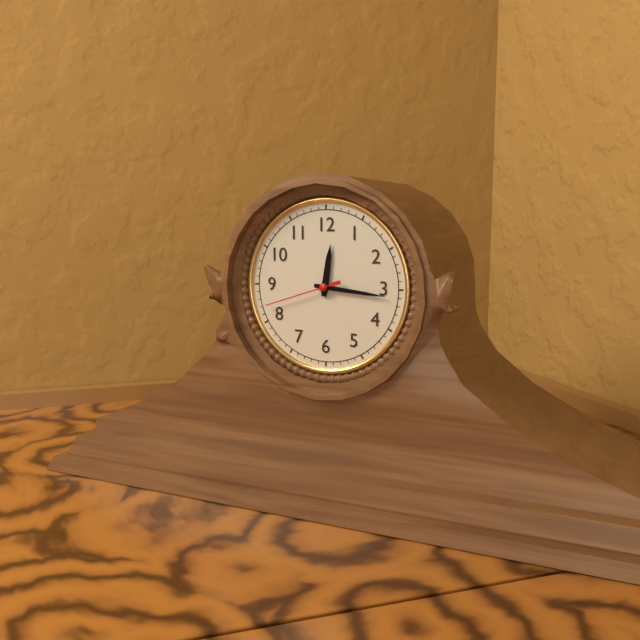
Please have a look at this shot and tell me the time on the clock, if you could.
12:16:42
